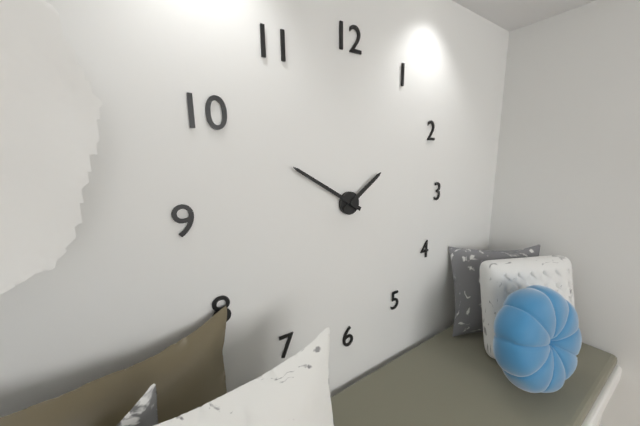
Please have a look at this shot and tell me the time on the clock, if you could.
1:50
